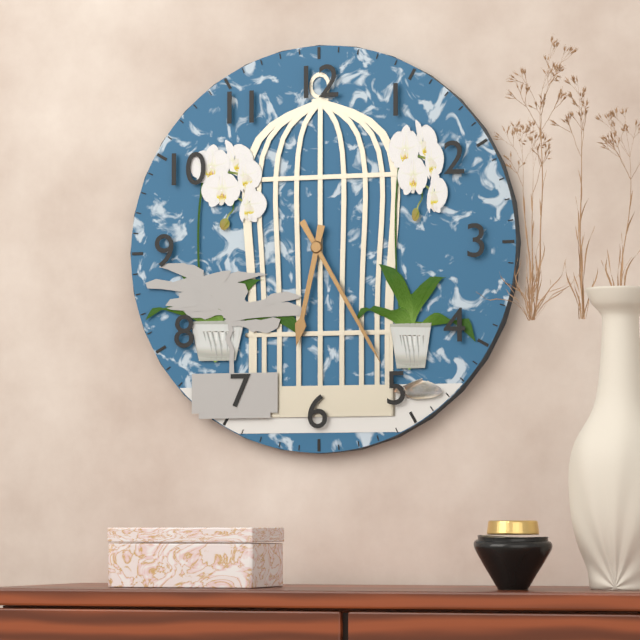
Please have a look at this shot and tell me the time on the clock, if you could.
6:25
